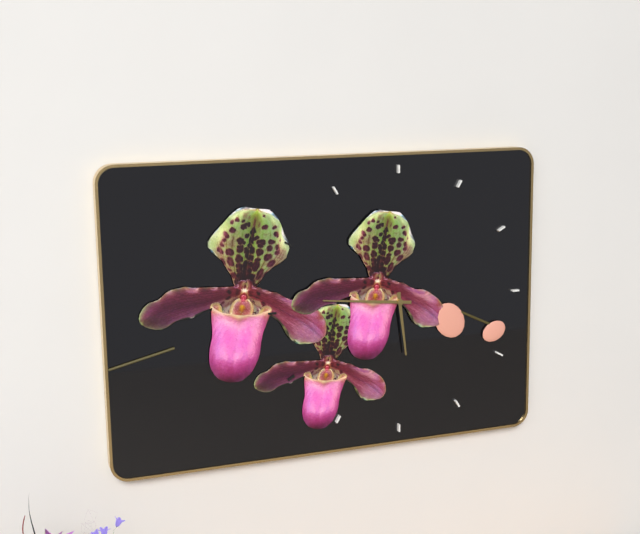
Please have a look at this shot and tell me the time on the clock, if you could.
5:46
